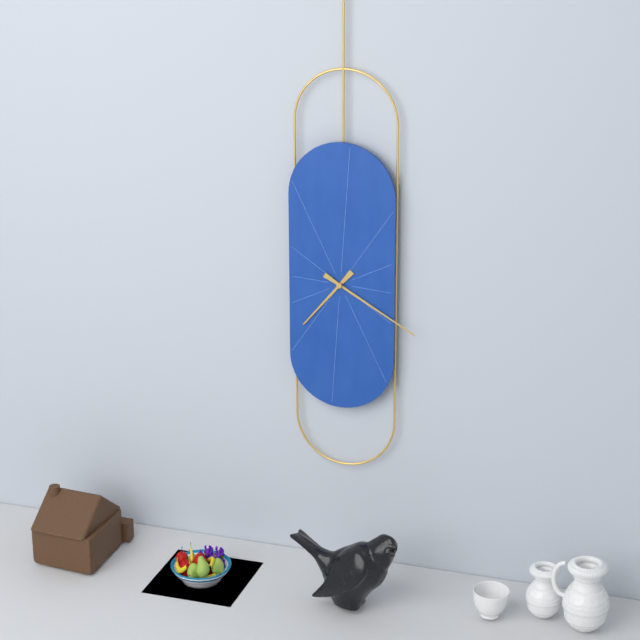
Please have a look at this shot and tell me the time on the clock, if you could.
7:20
